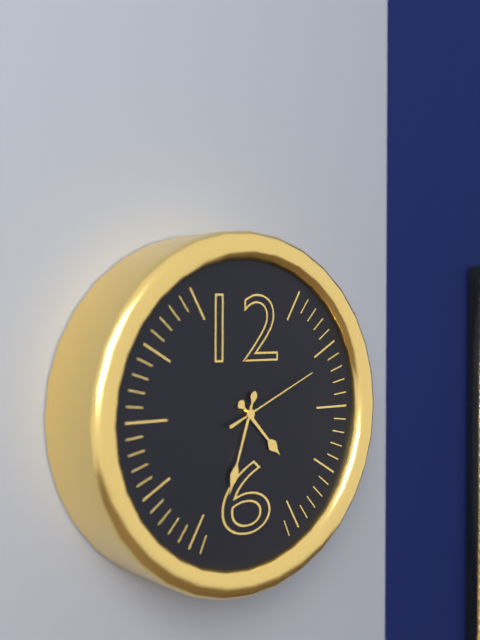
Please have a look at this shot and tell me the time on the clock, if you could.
4:33:11
